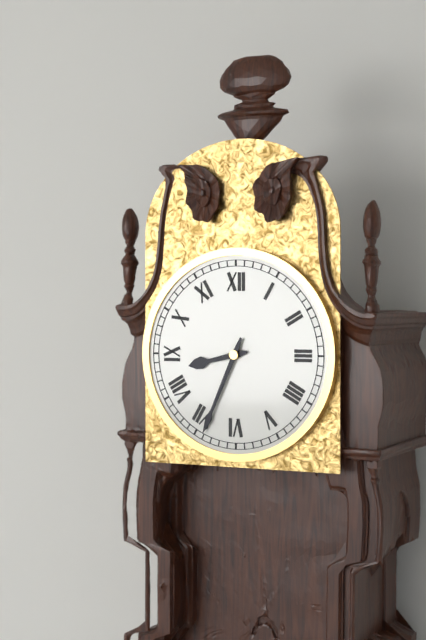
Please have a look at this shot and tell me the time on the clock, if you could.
8:34
